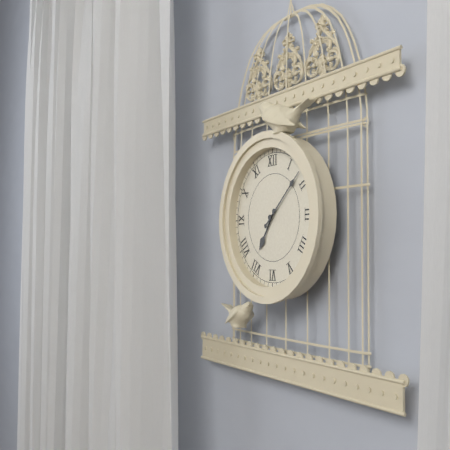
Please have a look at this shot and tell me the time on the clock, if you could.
7:08
